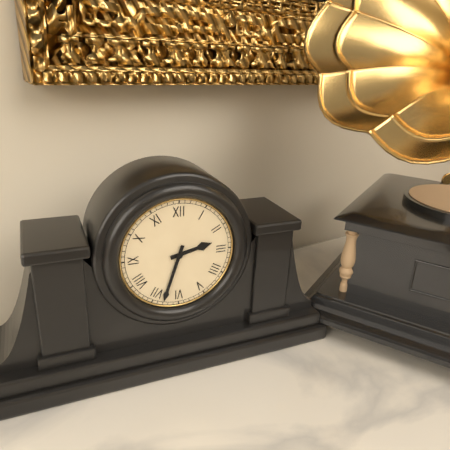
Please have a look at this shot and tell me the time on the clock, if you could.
2:33
